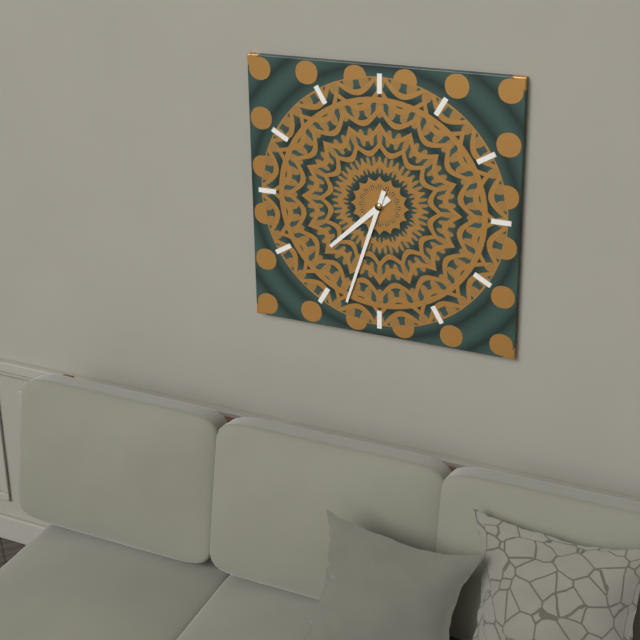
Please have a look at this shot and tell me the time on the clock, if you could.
7:33
